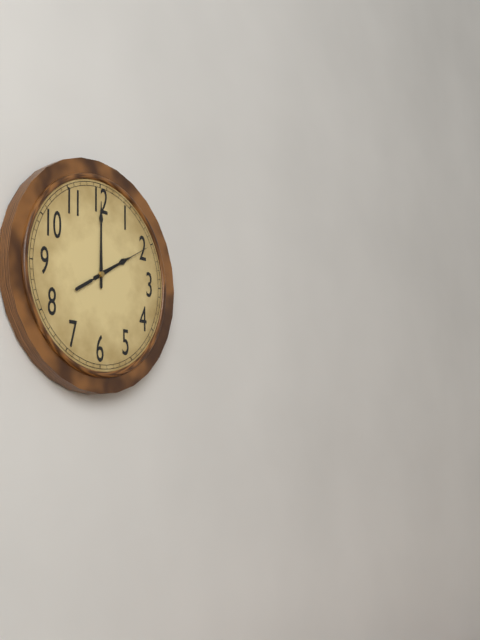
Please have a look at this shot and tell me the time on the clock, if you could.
2:00:10
